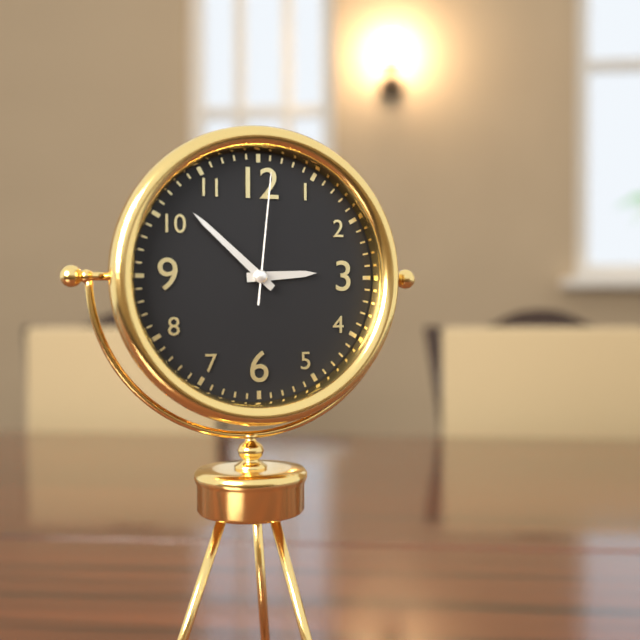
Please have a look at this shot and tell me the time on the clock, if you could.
2:52:01
